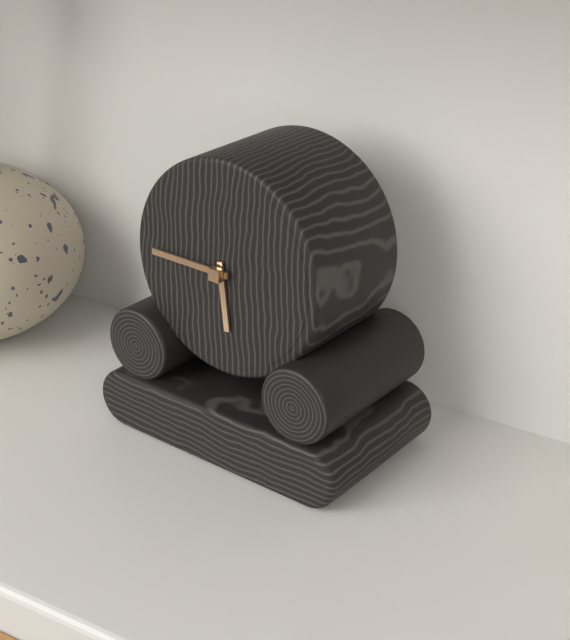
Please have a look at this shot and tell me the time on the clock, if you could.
5:45
